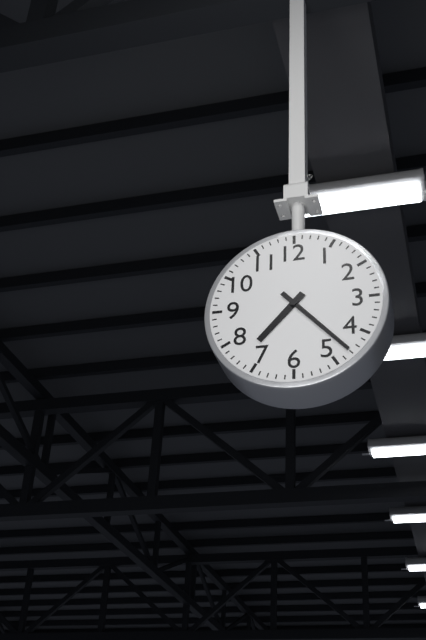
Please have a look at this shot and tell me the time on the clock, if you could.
7:23
